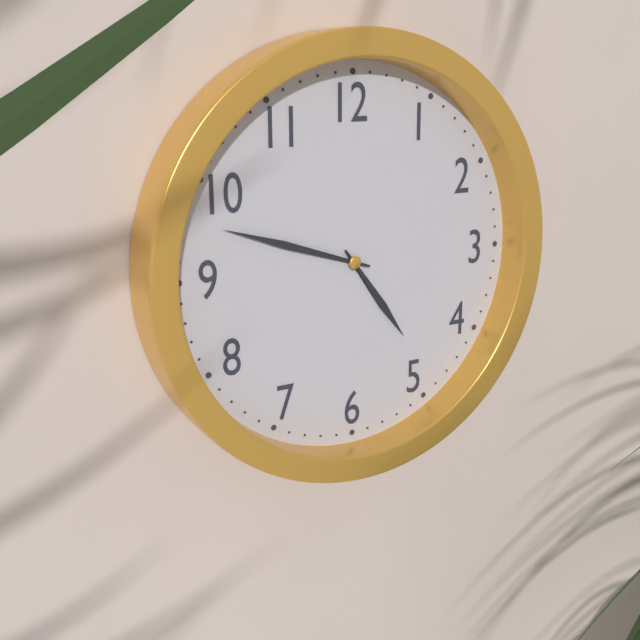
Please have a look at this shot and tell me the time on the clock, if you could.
4:48
